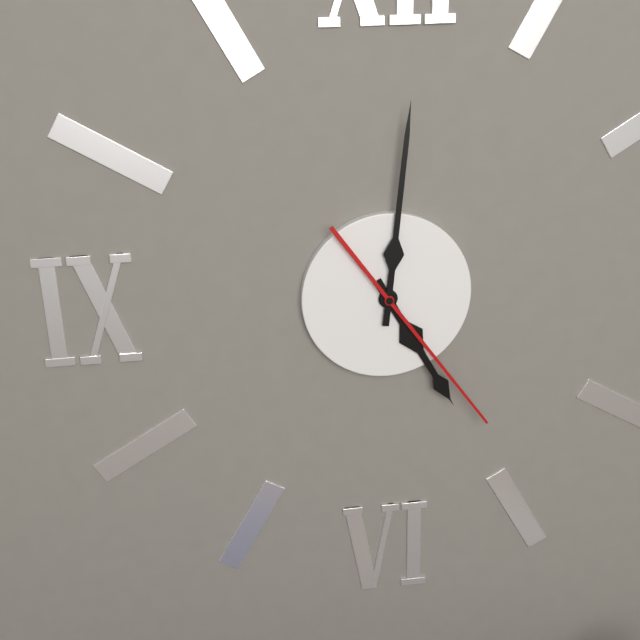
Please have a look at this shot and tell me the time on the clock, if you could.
5:01:24
